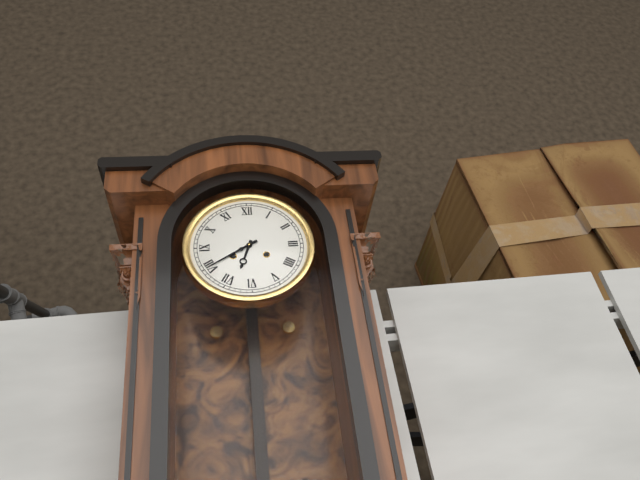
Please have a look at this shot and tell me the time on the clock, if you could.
6:40
